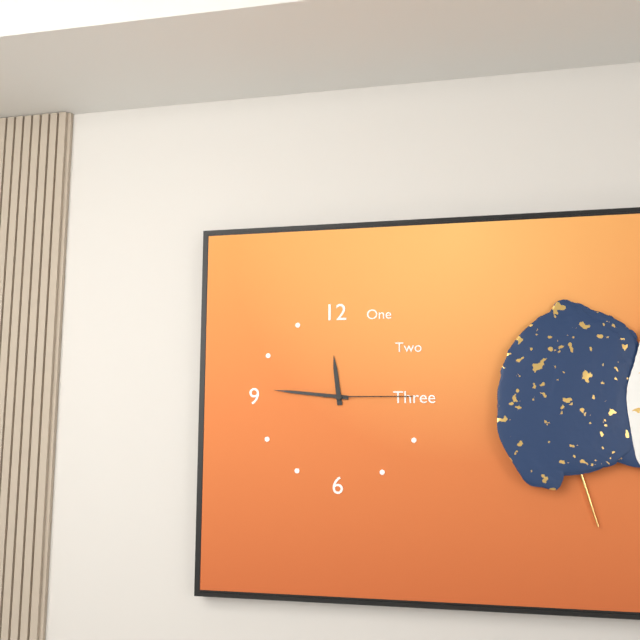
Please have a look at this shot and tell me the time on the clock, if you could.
11:46:15
